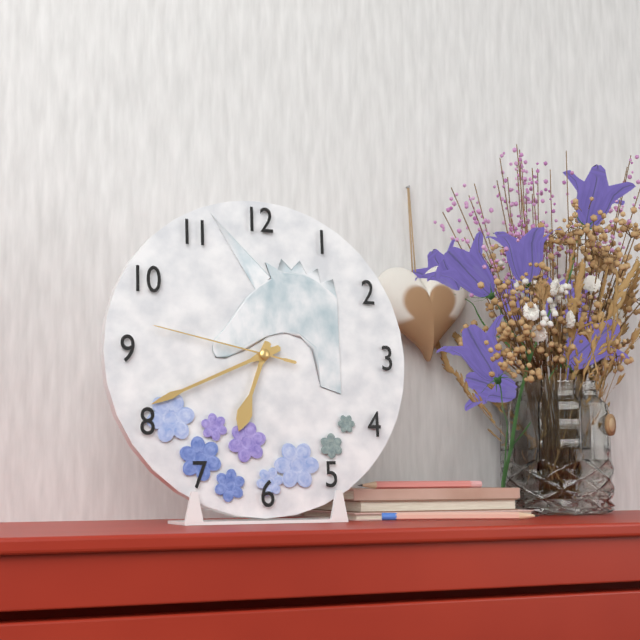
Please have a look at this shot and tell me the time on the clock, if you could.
6:41:47
